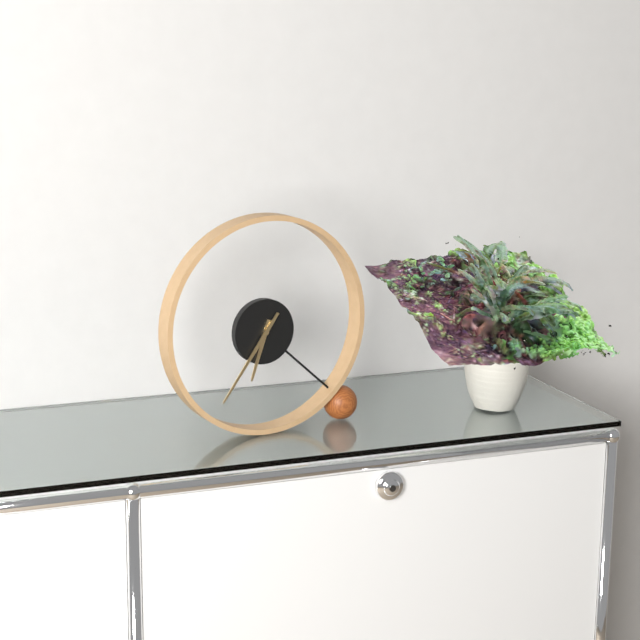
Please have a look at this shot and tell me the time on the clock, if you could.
6:36
